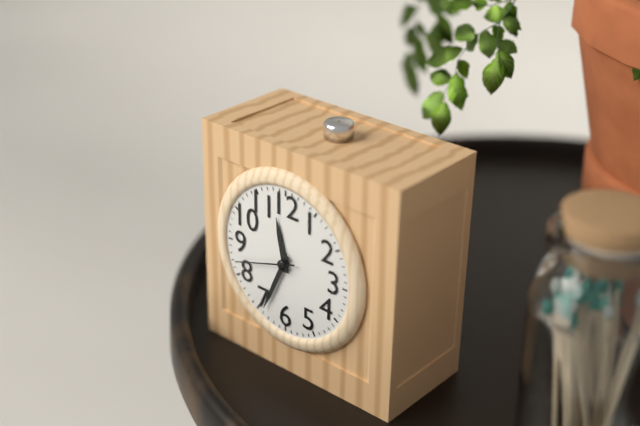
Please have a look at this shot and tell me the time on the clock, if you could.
11:34:42
